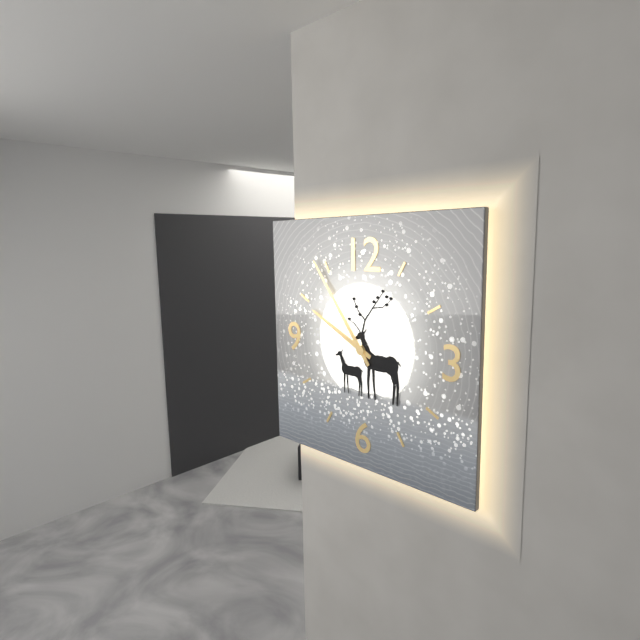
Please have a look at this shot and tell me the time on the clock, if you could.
9:54
